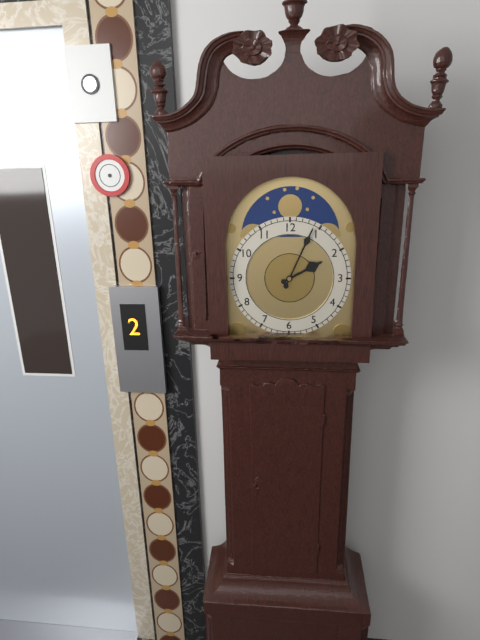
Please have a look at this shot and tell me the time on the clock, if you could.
2:04
